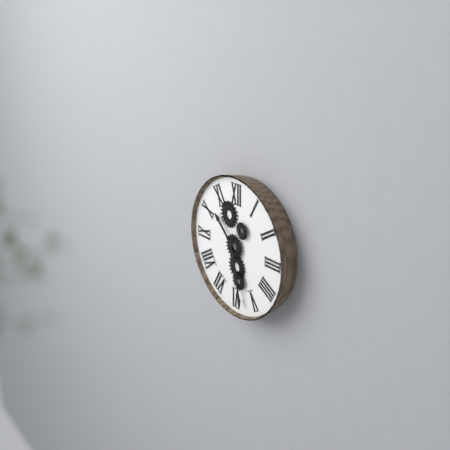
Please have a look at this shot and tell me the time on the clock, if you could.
10:28
